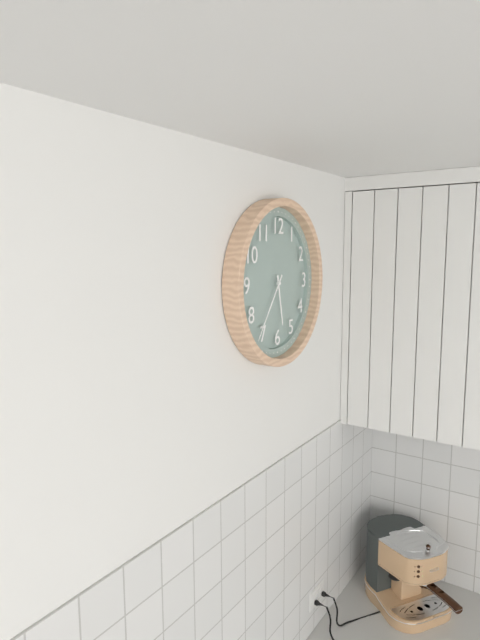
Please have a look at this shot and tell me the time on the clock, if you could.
5:36
